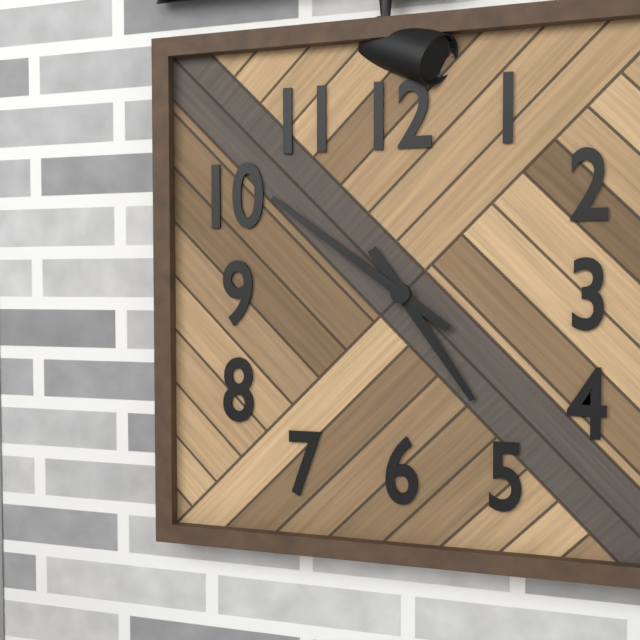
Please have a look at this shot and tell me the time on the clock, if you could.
4:51
